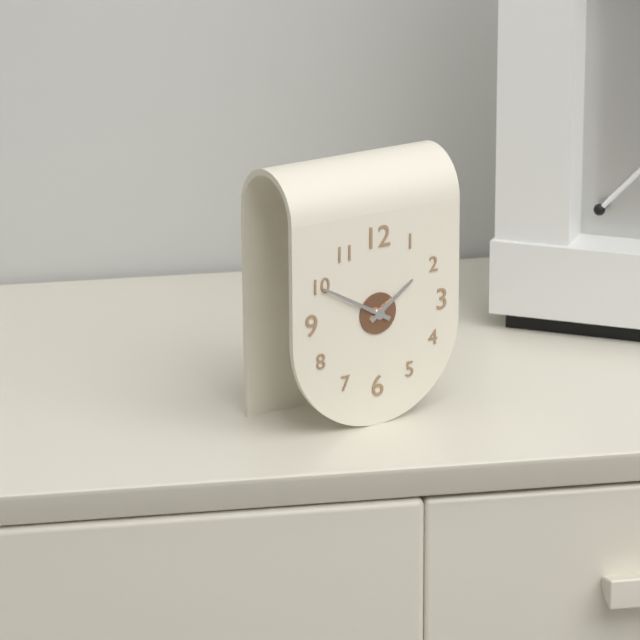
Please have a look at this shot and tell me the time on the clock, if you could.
1:50
